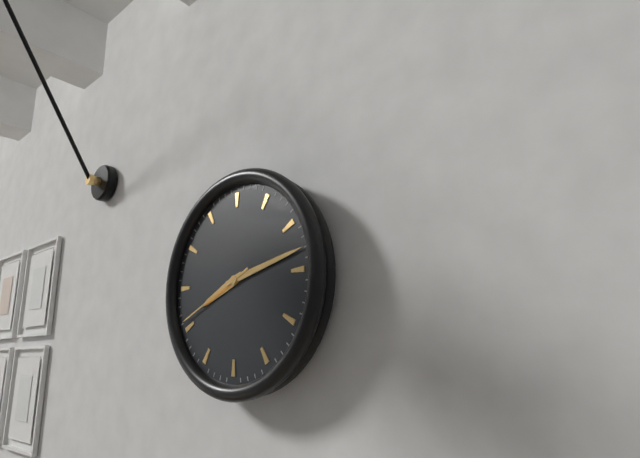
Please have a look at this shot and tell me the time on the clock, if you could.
8:13:41
